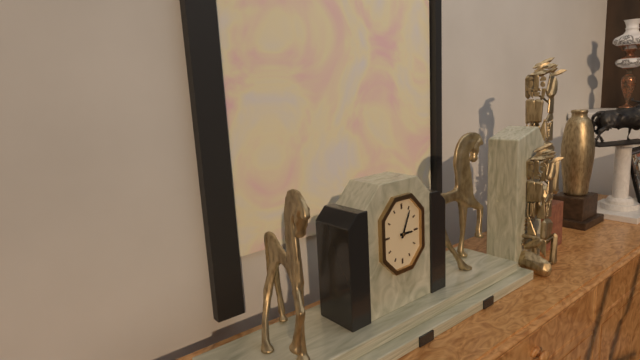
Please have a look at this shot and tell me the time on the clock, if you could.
3:04
